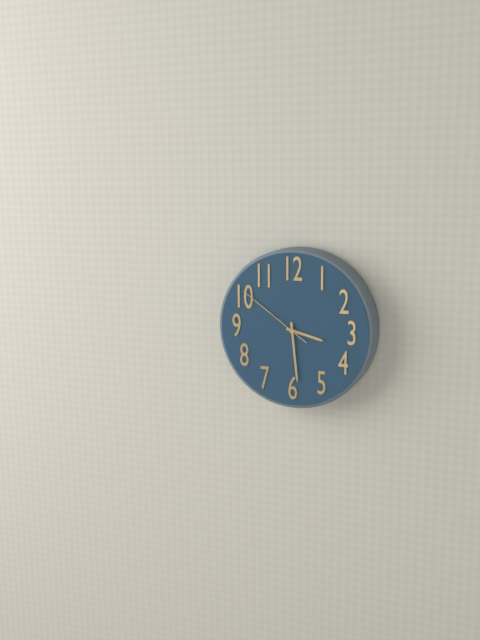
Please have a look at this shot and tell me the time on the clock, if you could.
3:29:51
